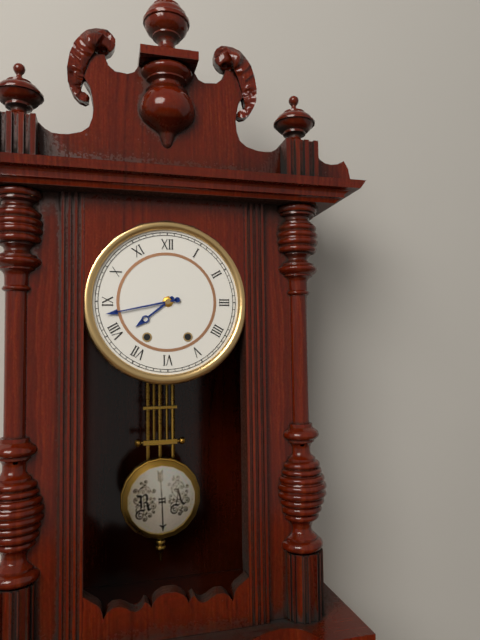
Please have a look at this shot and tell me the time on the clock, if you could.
7:43
